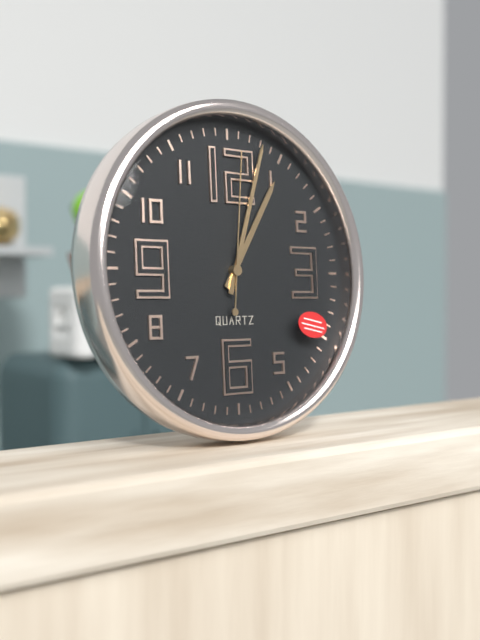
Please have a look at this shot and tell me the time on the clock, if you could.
1:03:01
